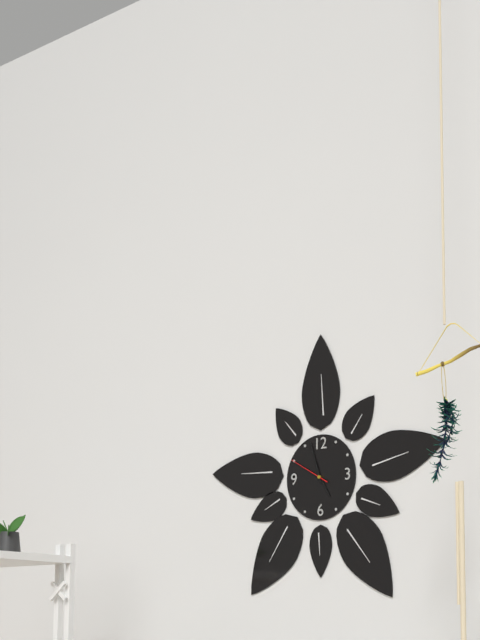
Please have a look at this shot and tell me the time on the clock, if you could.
4:57
